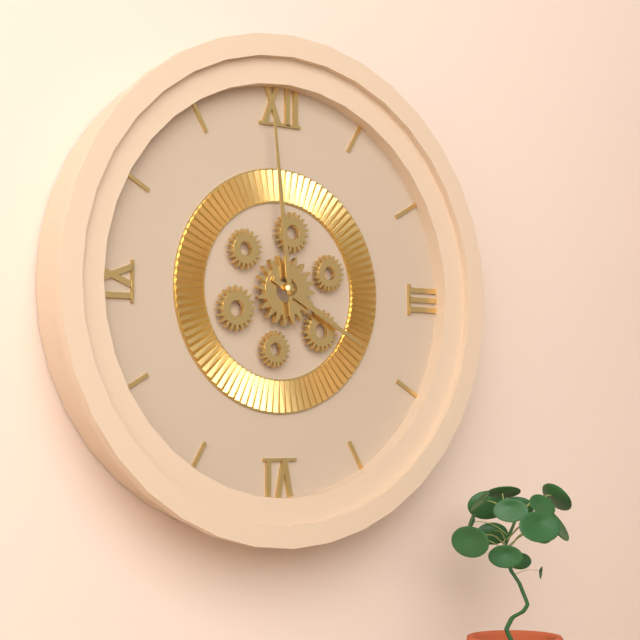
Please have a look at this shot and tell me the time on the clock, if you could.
3:59
